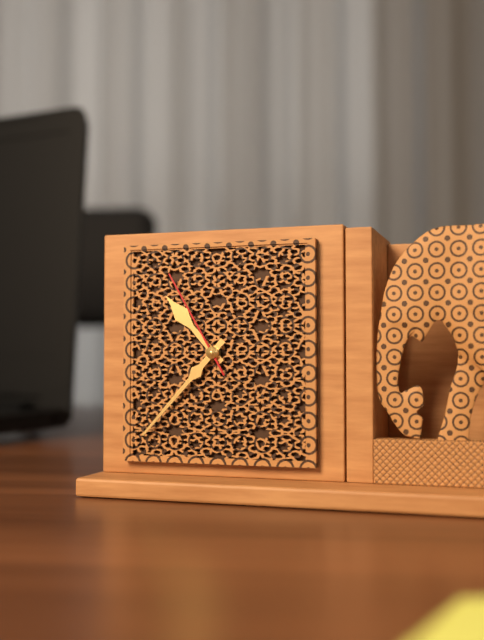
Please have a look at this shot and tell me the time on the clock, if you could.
10:37:55
